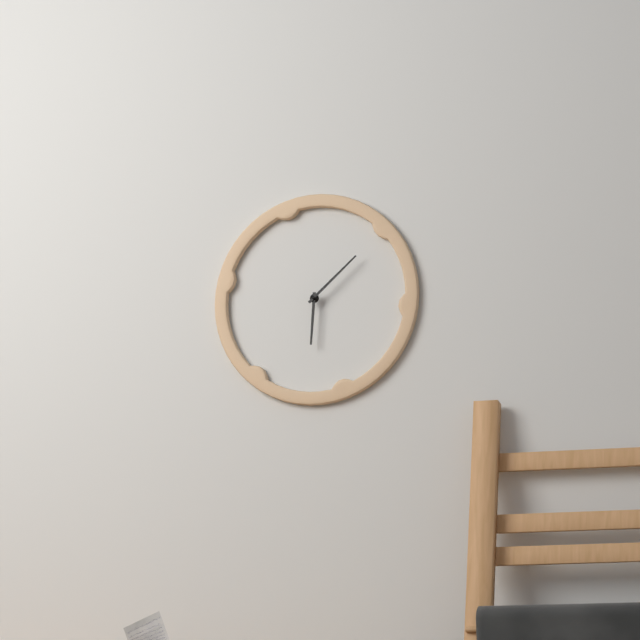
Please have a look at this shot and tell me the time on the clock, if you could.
6:08
